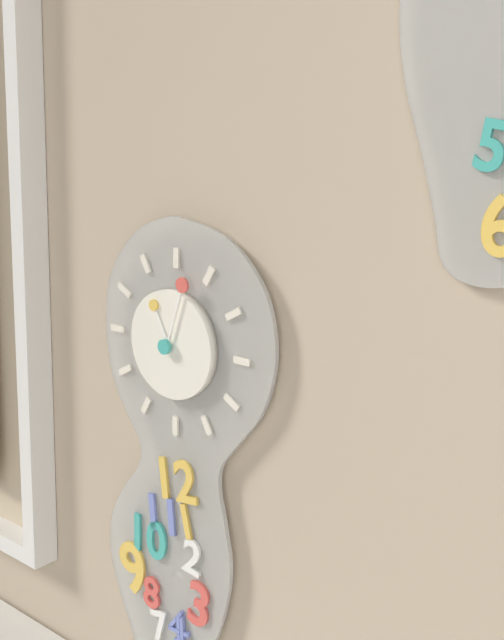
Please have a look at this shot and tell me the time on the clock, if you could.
11:03
